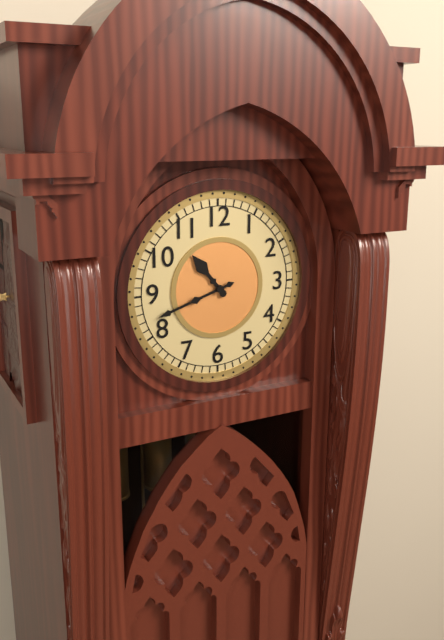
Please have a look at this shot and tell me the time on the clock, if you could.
10:42
